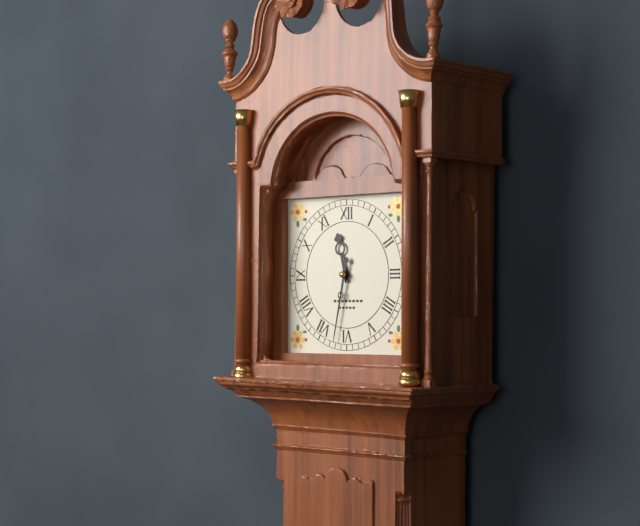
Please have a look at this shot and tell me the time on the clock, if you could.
11:32
